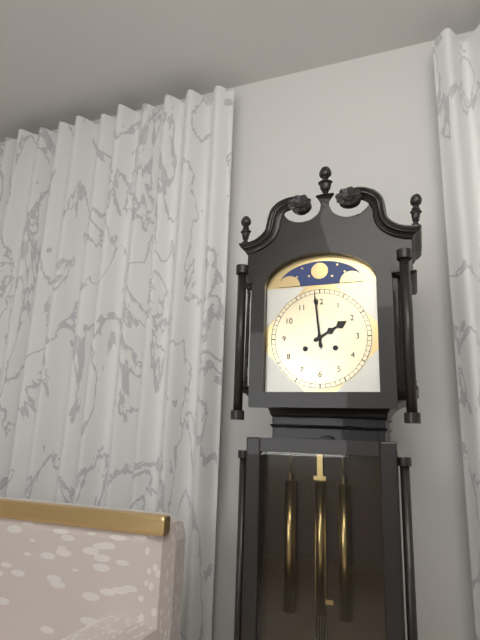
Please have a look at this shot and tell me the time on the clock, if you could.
1:59
